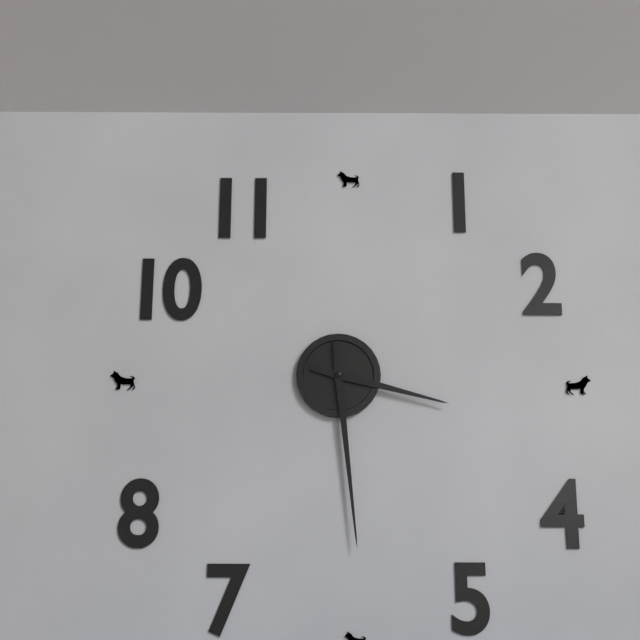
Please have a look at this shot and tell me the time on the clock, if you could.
3:29
